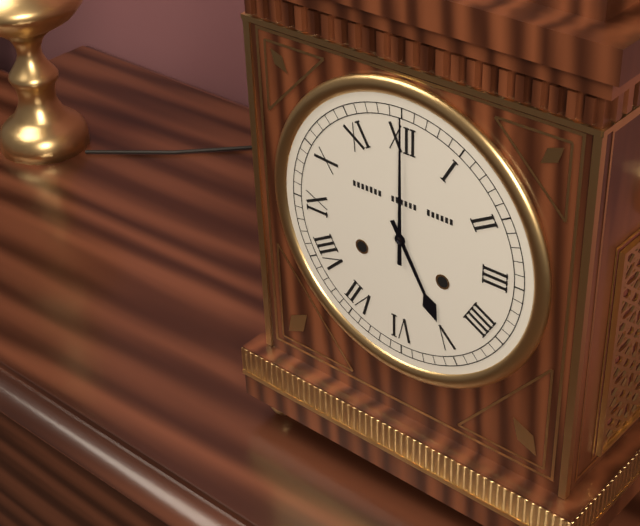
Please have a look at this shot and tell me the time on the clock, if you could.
5:00
